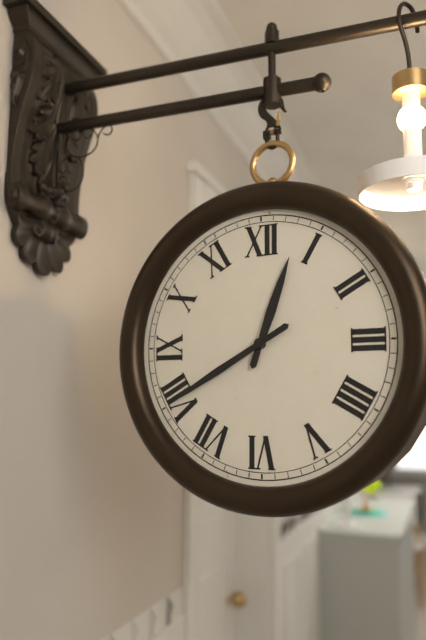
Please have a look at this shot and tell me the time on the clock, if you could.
12:40
